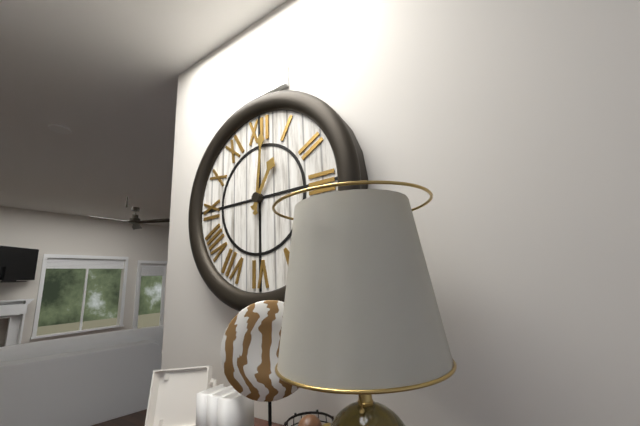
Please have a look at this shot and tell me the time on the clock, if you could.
1:01
